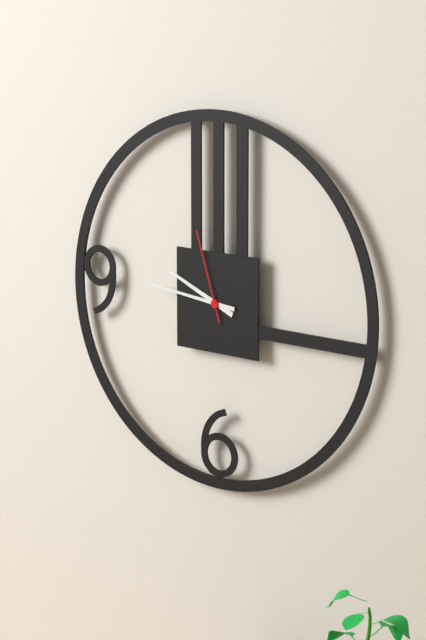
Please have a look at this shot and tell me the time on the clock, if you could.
9:46:57
